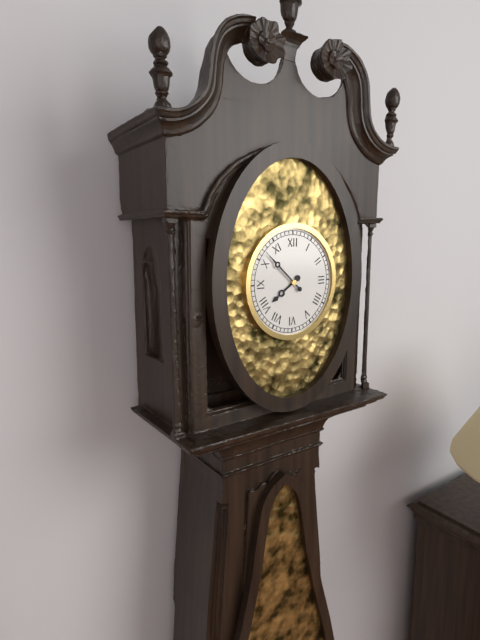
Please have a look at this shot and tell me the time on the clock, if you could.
7:52
